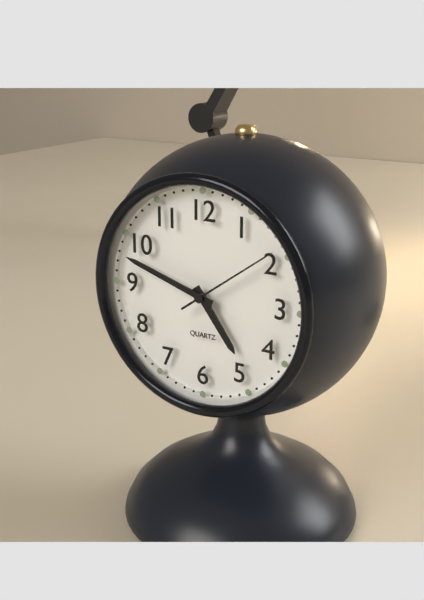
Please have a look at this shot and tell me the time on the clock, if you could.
4:48:09
